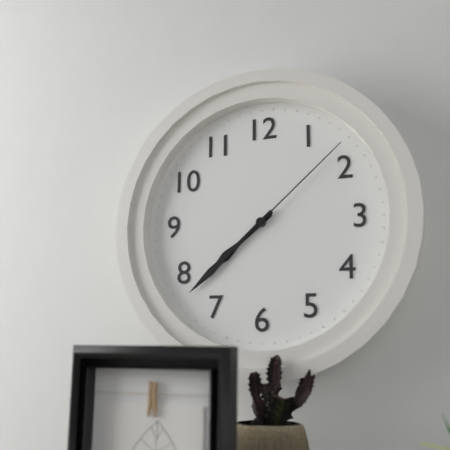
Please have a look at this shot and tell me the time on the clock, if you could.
7:38:08
